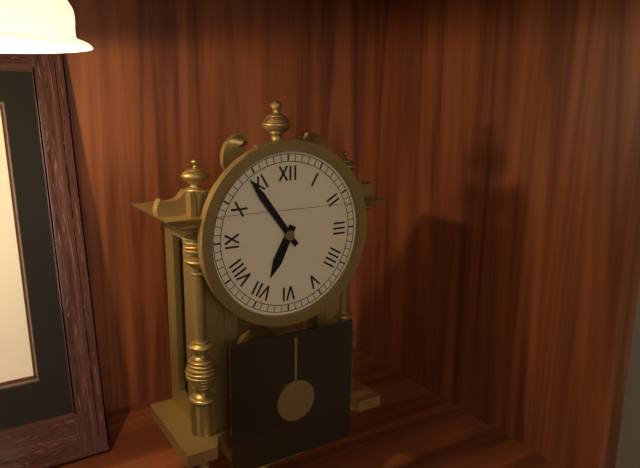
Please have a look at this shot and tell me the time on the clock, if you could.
6:54
